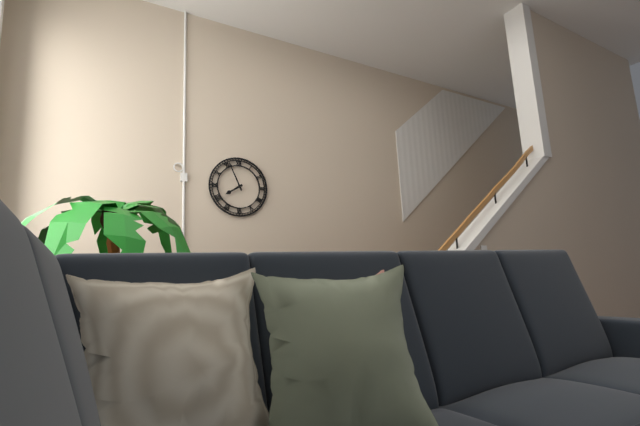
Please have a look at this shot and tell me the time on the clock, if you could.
7:56
